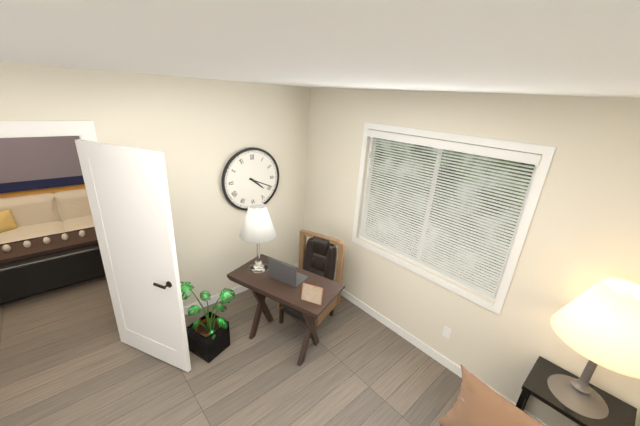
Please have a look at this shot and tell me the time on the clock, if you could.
4:19
